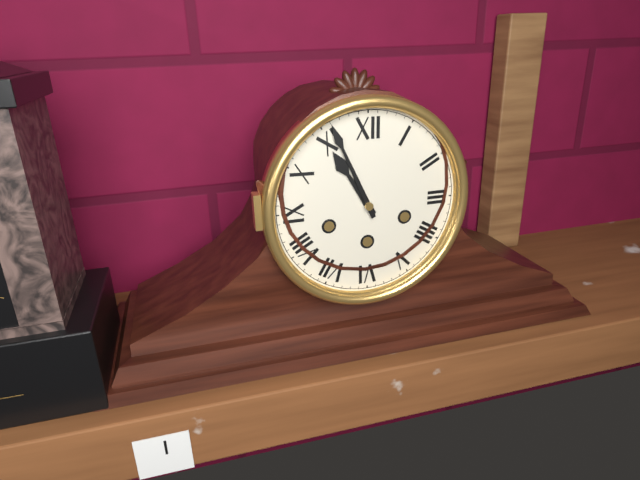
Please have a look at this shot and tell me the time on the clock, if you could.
10:56
